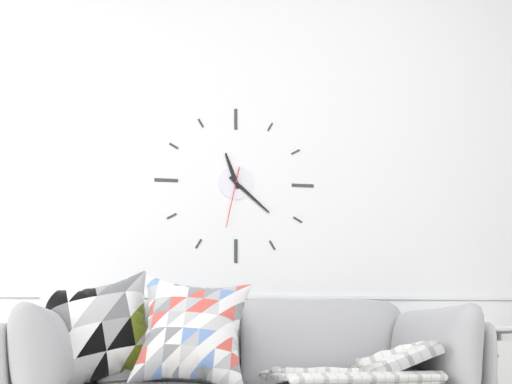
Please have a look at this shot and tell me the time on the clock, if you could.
11:22:32
